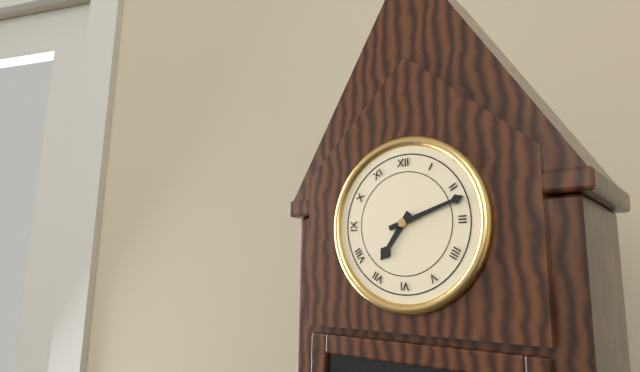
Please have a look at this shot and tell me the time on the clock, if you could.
7:12
